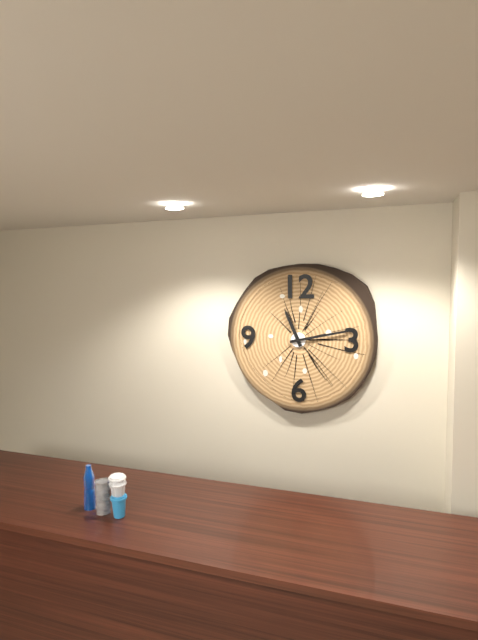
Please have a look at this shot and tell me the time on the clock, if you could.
11:13
